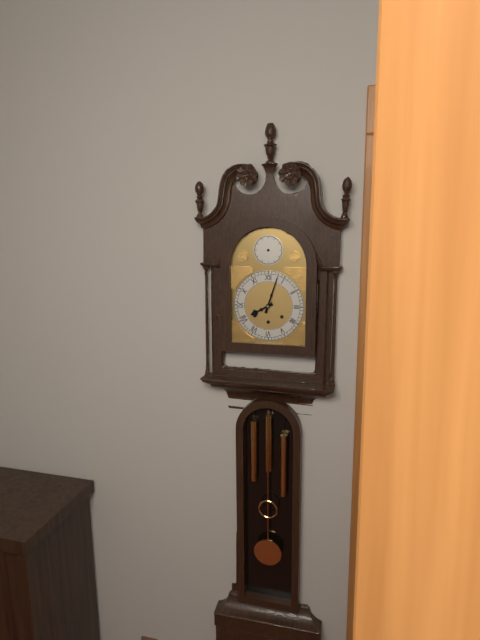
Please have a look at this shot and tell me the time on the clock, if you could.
8:03
